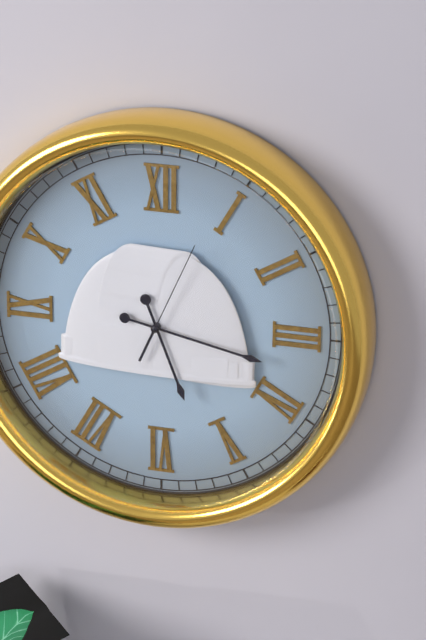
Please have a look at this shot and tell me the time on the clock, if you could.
5:17:04
